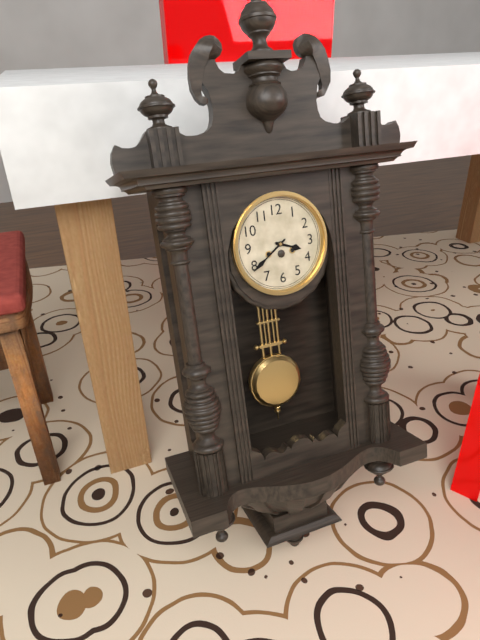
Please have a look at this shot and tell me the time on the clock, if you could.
3:39
